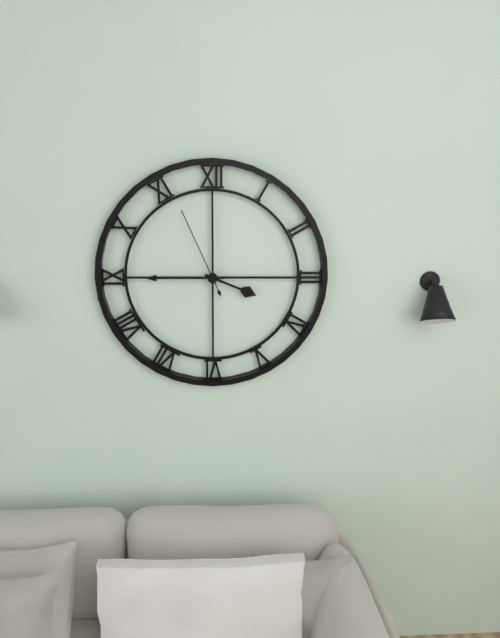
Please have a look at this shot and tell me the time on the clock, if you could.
3:45:56
